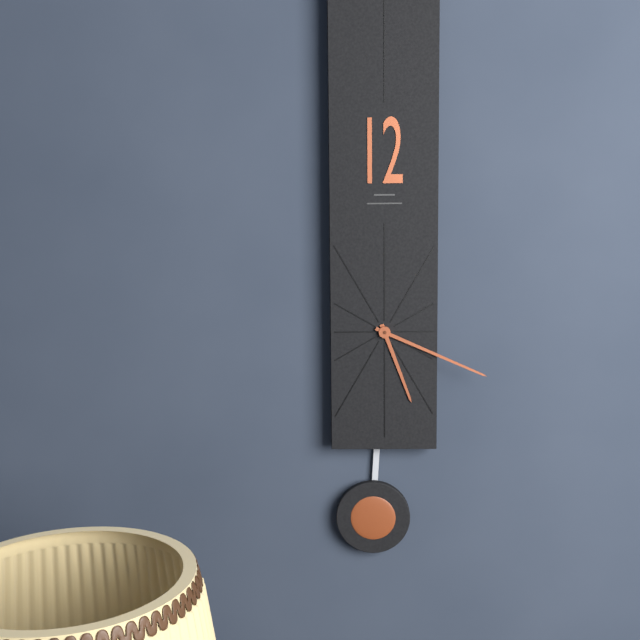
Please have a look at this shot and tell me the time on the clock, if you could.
5:19
